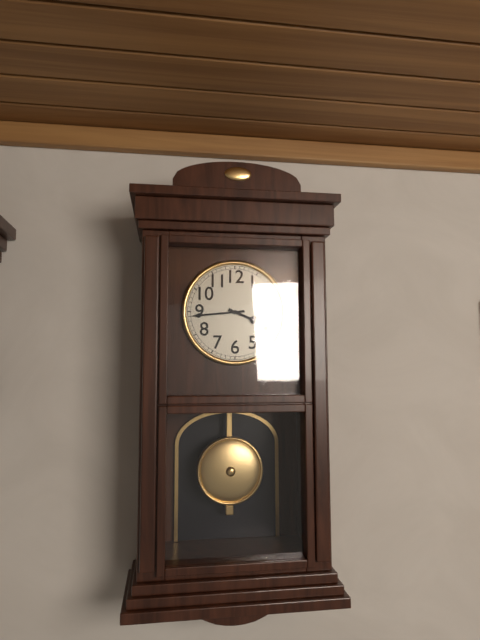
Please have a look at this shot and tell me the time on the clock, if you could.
3:44
